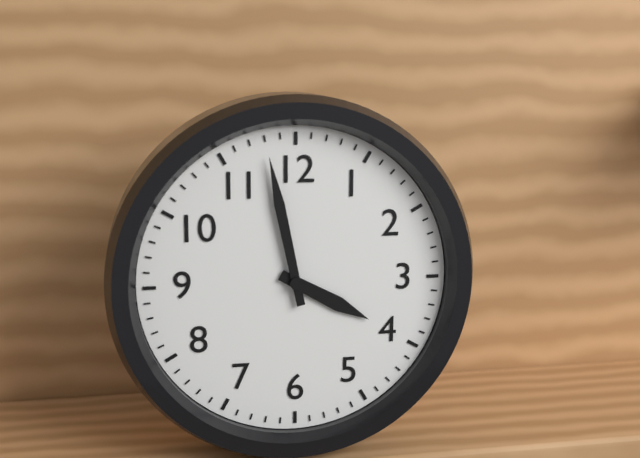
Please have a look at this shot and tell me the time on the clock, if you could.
3:58
